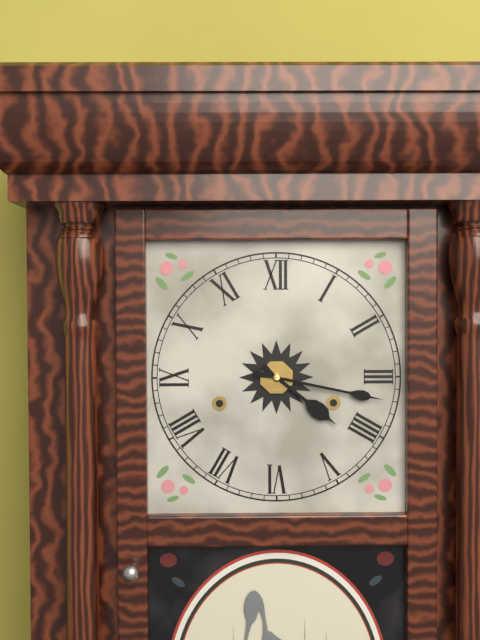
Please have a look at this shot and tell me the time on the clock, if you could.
4:17
